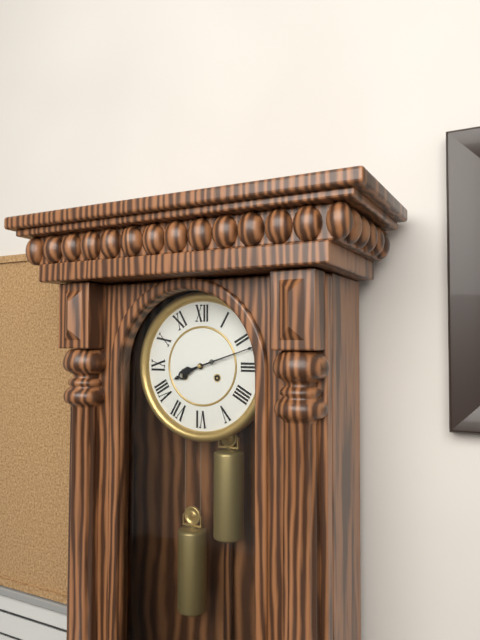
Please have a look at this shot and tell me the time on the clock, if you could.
8:12
